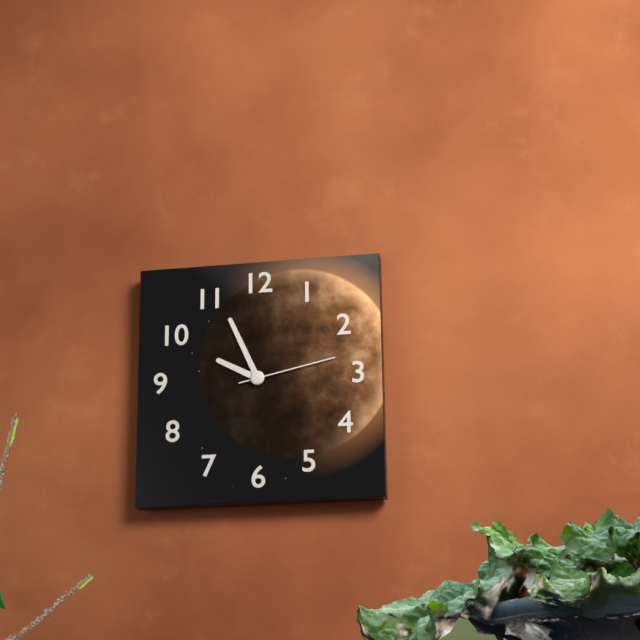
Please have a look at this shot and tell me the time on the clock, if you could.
9:56:13
